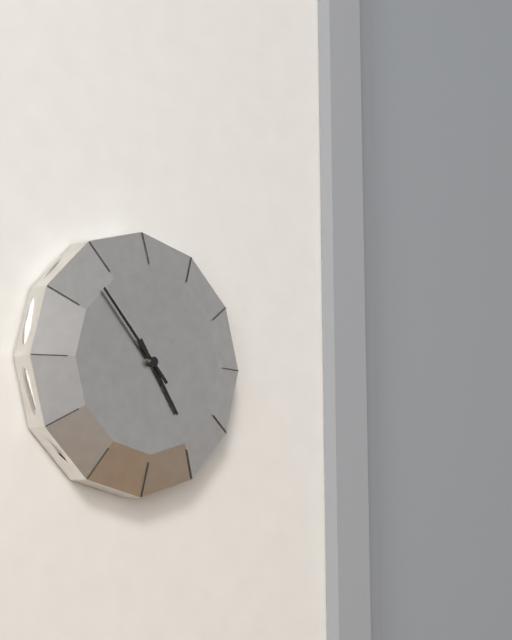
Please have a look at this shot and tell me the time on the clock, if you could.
4:53
